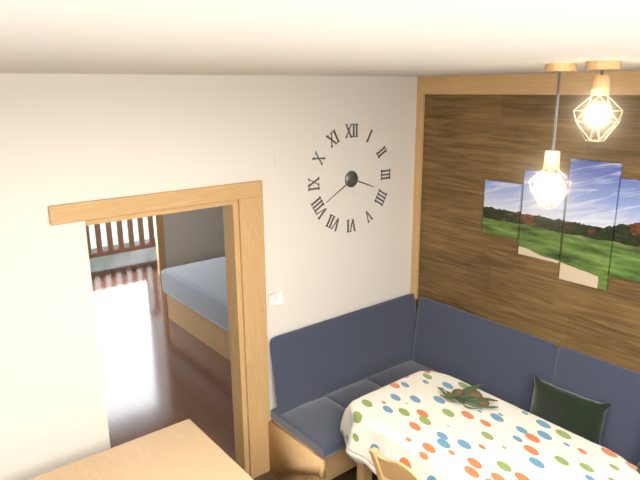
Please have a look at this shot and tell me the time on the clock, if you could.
3:40
